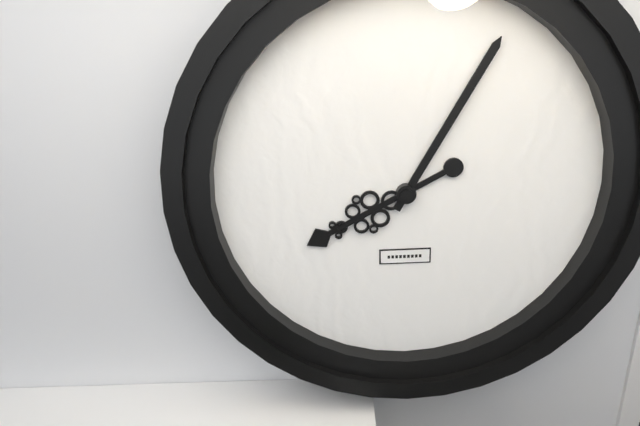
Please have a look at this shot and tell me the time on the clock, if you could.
8:05
